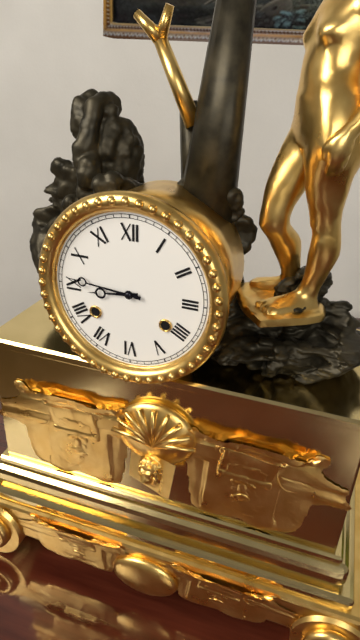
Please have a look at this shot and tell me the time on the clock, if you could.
8:46
